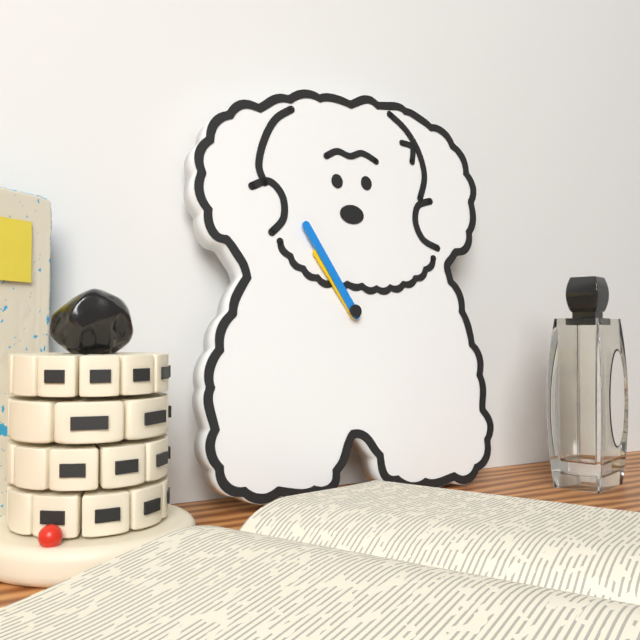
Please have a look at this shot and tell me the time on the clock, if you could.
10:55
